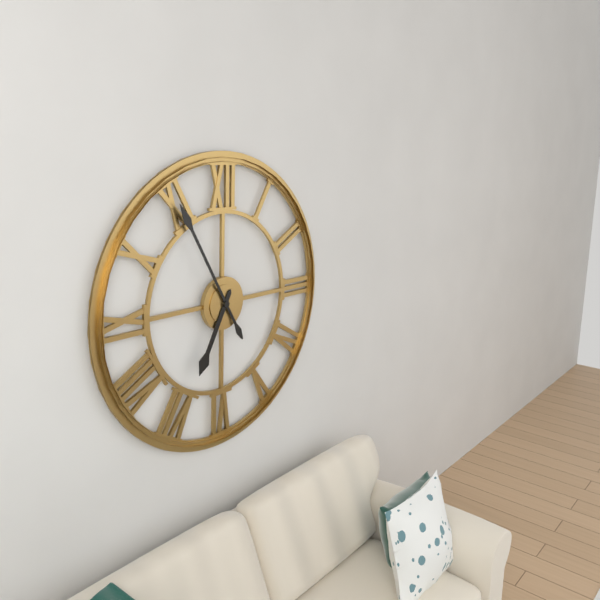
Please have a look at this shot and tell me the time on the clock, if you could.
6:55
